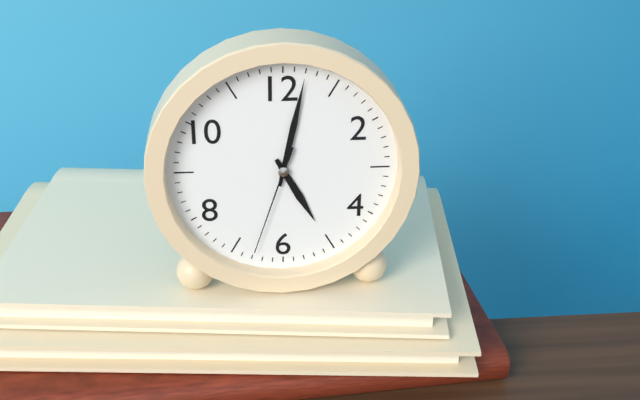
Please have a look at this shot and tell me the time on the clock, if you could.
5:02:33
